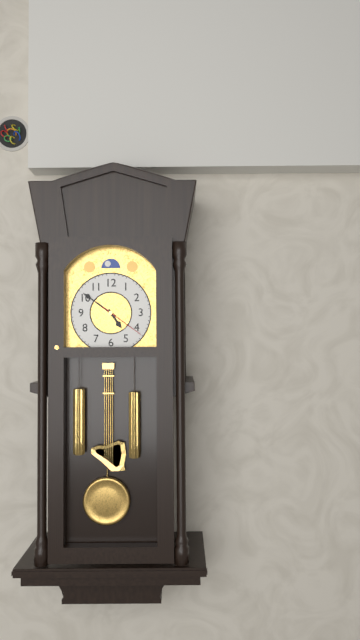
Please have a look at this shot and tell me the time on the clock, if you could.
4:51
